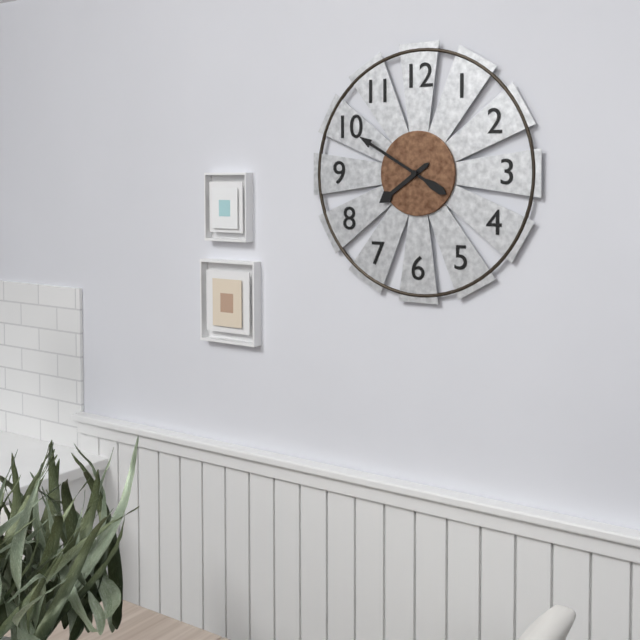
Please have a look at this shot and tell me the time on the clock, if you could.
7:50
